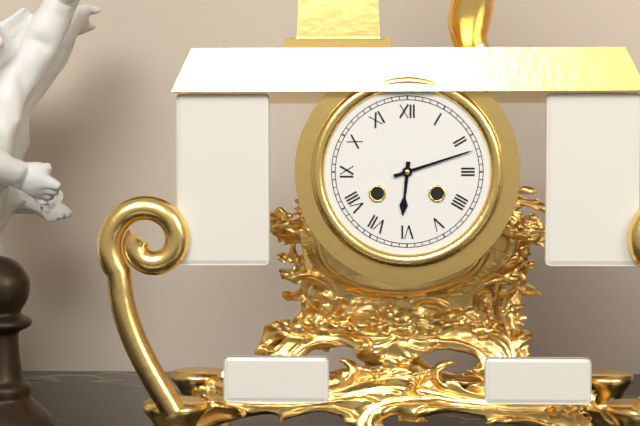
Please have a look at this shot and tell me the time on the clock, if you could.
6:12
